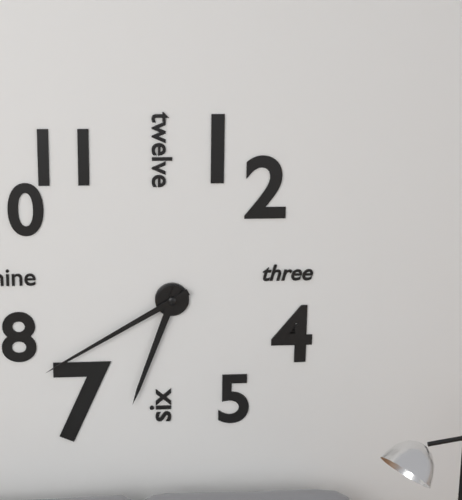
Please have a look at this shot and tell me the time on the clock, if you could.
6:40
